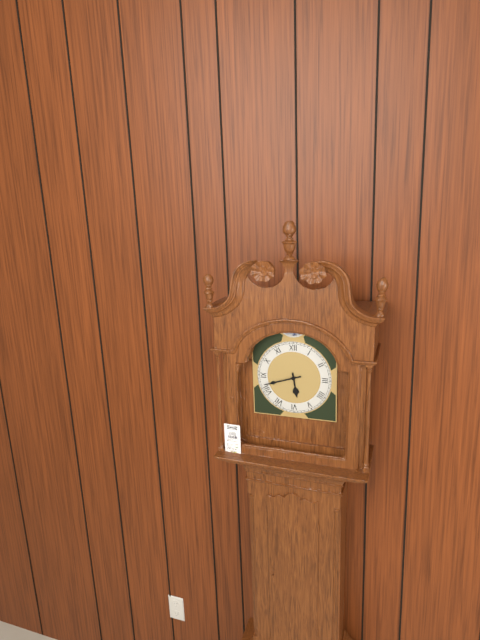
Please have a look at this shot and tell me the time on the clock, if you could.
5:42
